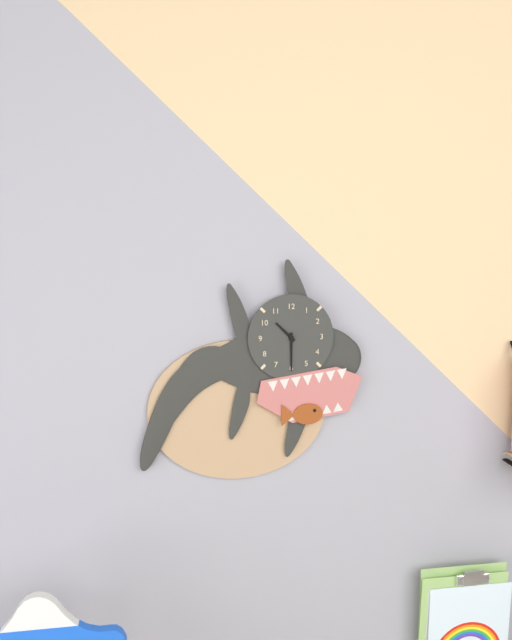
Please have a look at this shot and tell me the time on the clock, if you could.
10:30
